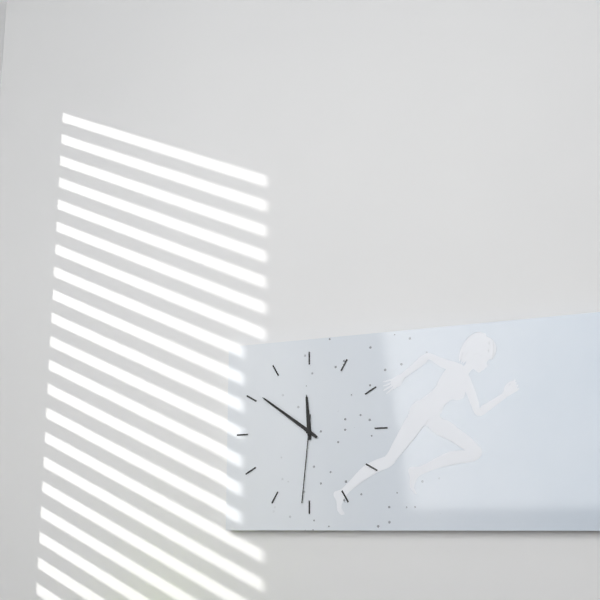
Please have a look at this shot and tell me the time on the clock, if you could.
11:51:31
